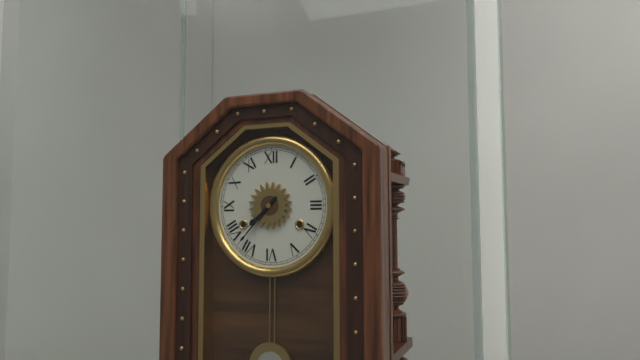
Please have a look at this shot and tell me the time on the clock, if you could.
7:37
